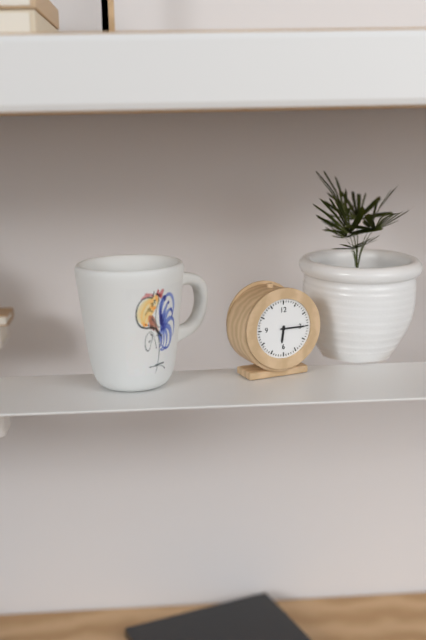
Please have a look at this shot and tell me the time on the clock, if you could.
6:15
